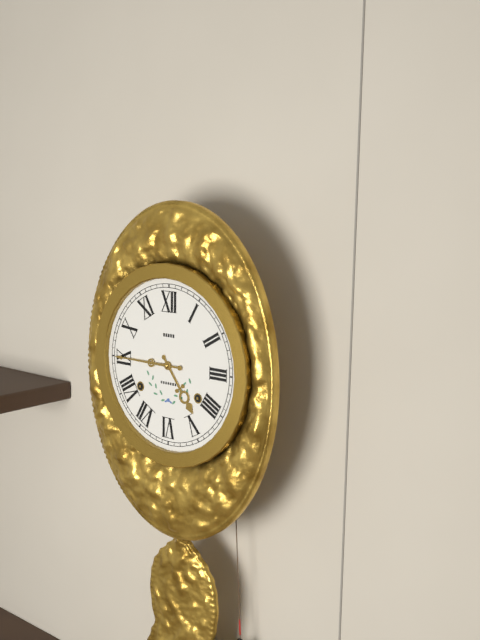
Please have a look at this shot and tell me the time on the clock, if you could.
4:45
